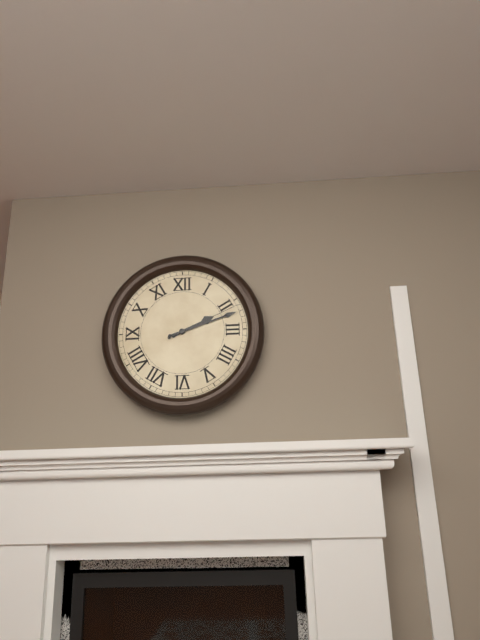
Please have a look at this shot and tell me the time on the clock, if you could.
2:12:11
